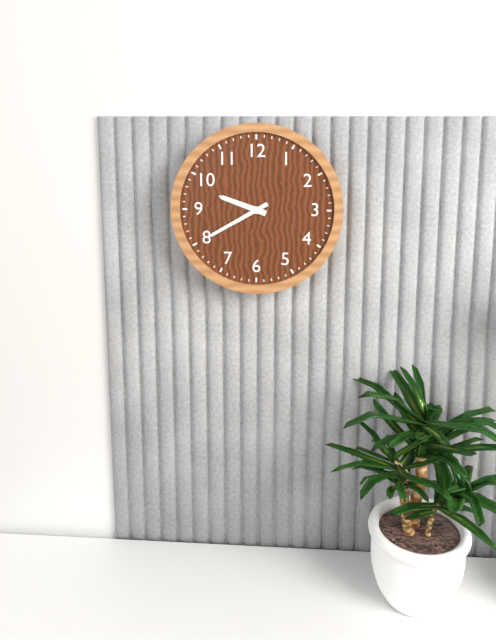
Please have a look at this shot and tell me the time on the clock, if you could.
9:40
